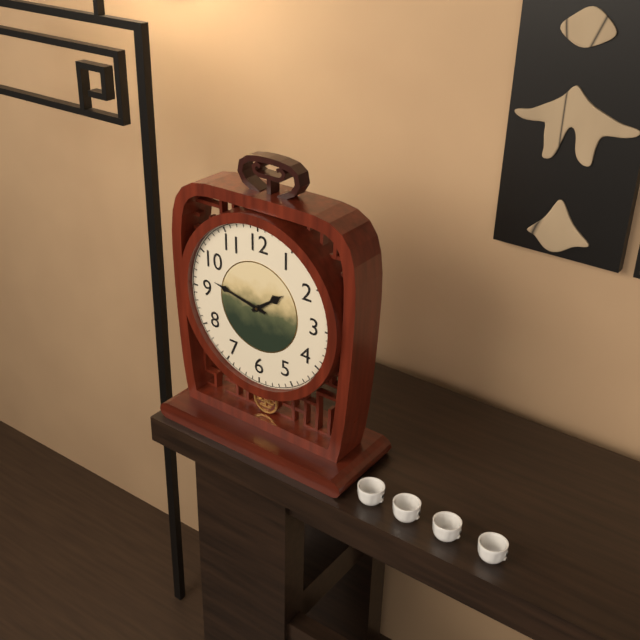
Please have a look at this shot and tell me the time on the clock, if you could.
1:47
